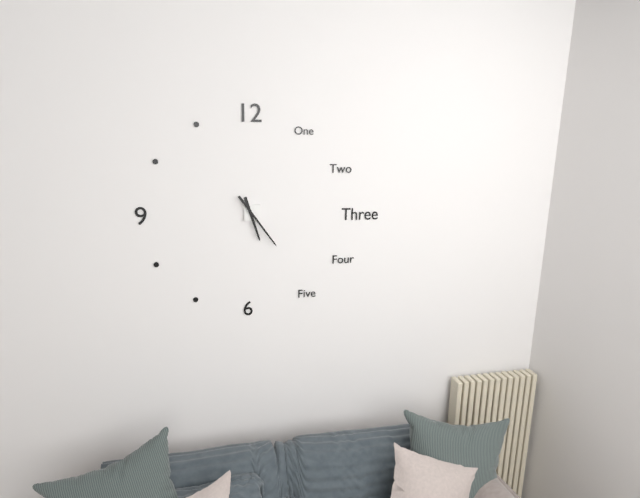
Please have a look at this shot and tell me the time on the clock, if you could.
5:24
